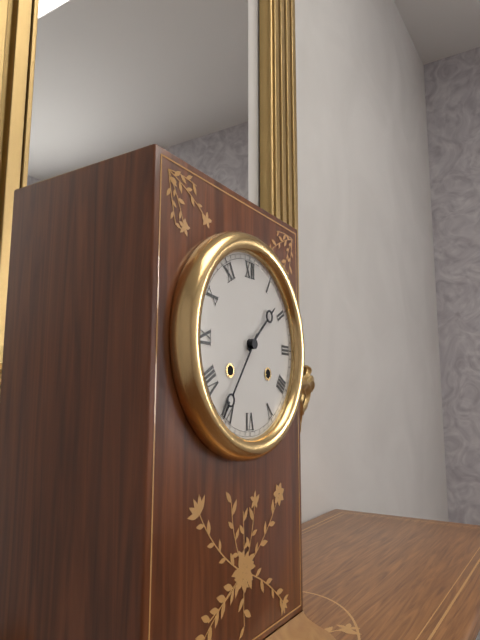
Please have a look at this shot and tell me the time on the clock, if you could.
1:36
